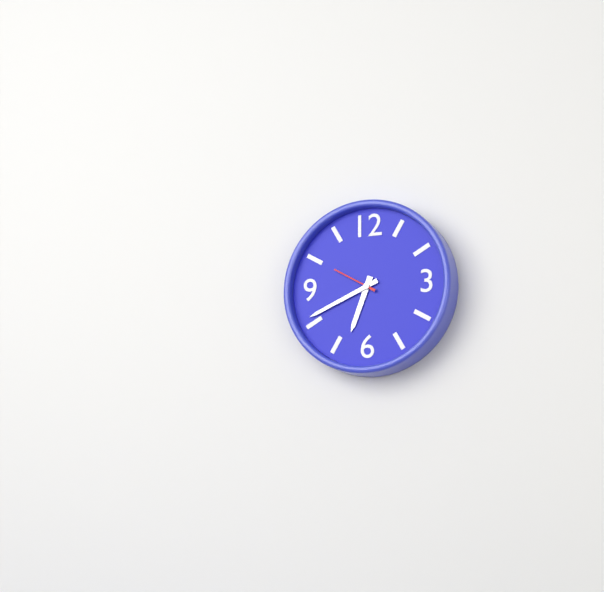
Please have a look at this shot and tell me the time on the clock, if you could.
6:41
